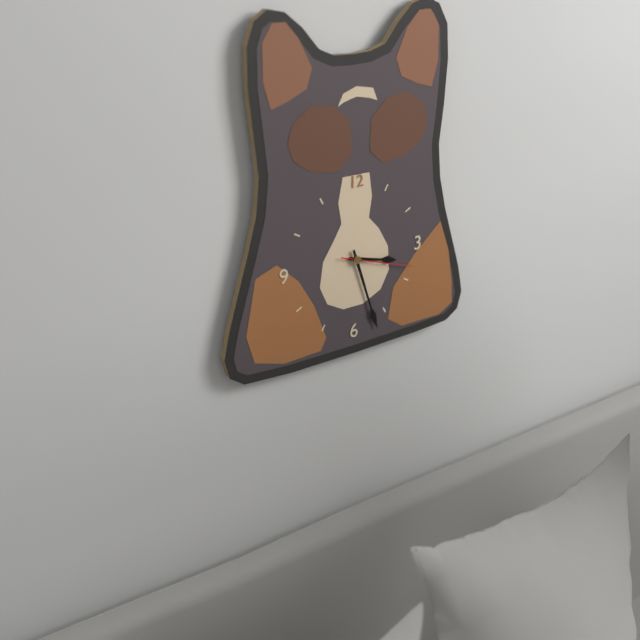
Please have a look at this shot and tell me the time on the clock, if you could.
3:27:18
